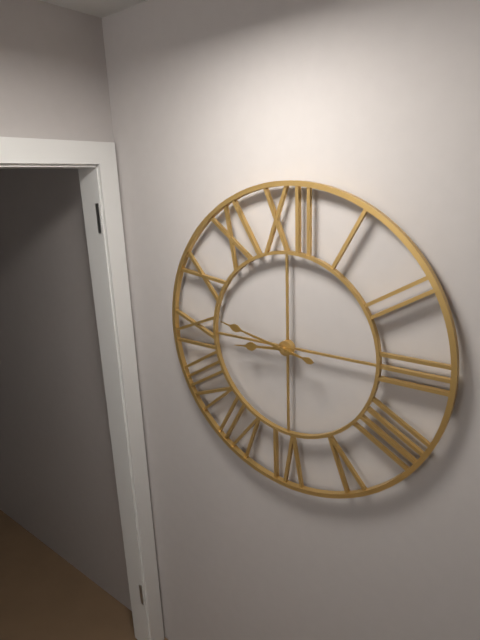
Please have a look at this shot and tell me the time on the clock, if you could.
8:47
